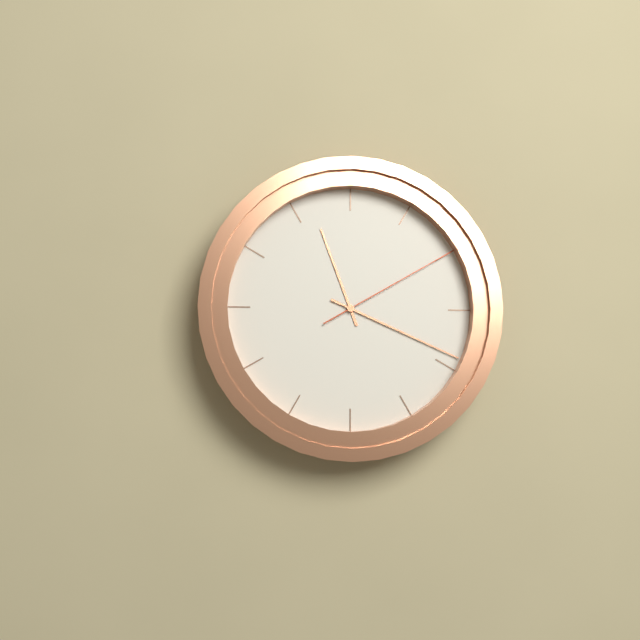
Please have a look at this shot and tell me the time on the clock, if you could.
11:19:10
